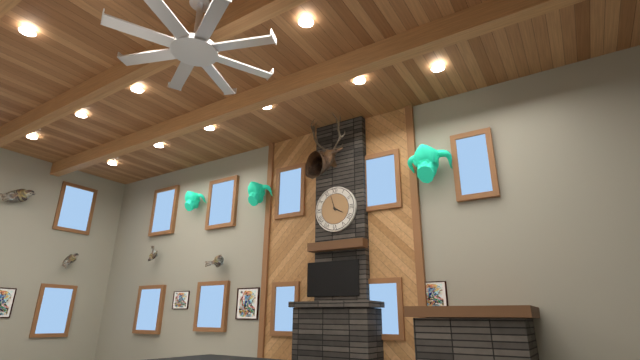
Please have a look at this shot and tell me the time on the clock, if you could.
3:57
